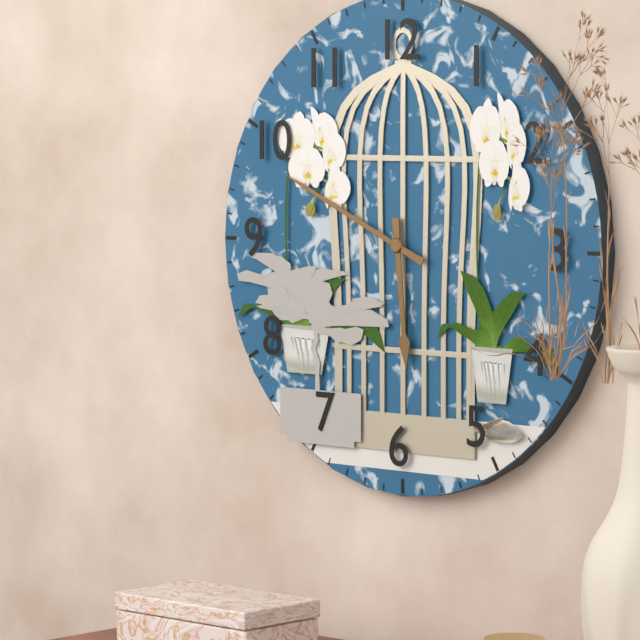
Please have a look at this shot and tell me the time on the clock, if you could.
5:49
